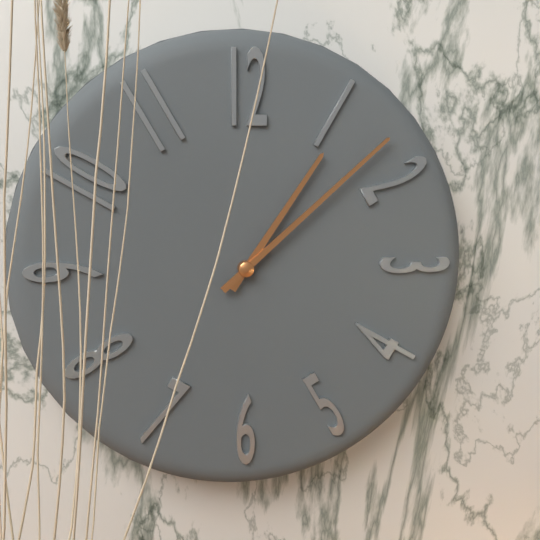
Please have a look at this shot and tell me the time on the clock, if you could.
1:08
